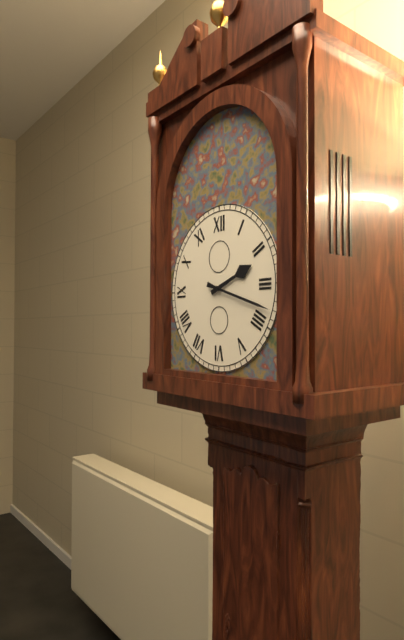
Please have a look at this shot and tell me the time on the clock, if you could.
2:18
